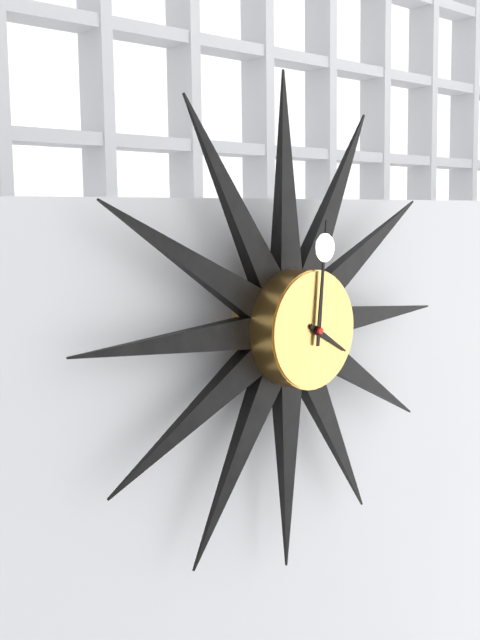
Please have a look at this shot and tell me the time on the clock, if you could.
4:01
